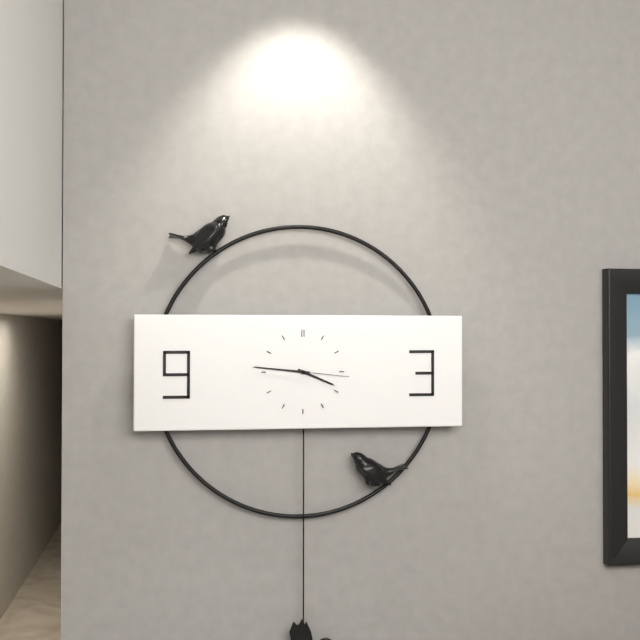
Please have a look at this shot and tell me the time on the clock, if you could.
3:46:16
